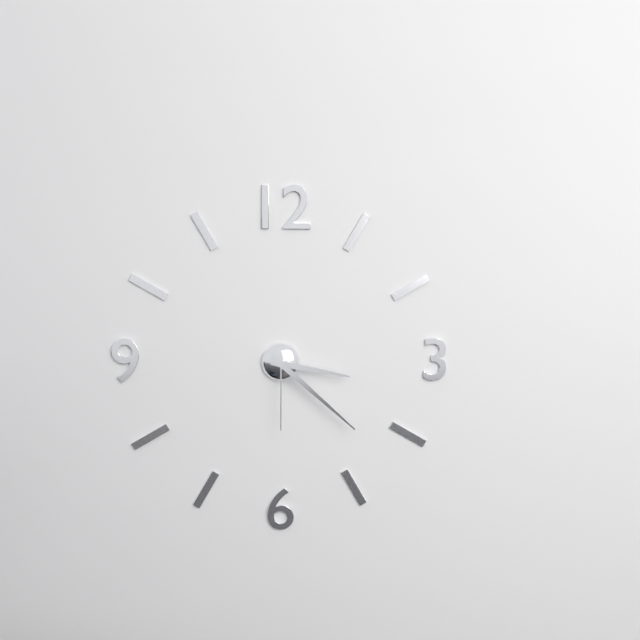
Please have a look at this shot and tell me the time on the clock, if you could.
3:22:30
